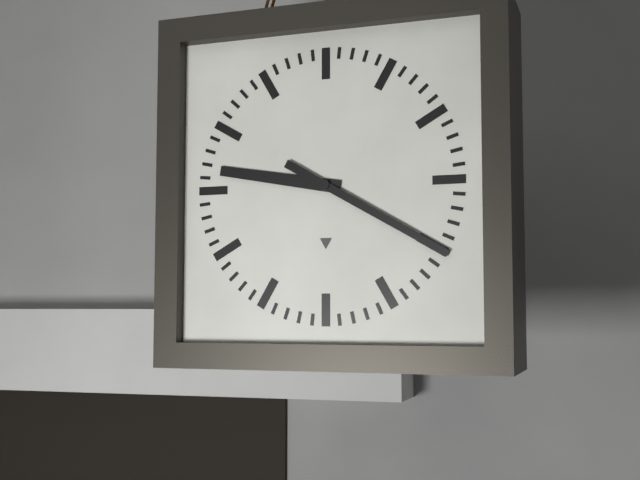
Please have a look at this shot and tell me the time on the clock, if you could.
9:20
